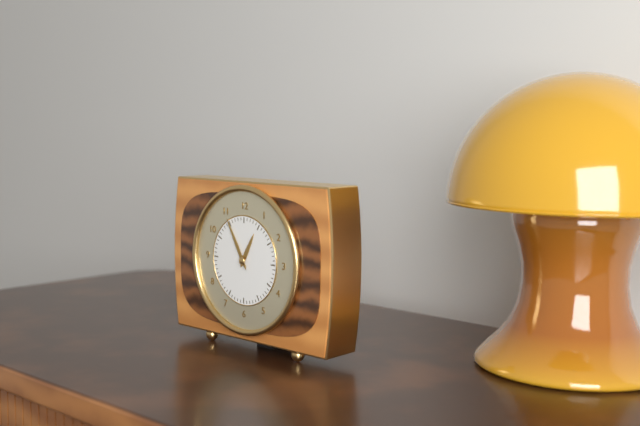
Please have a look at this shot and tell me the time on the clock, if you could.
12:55
